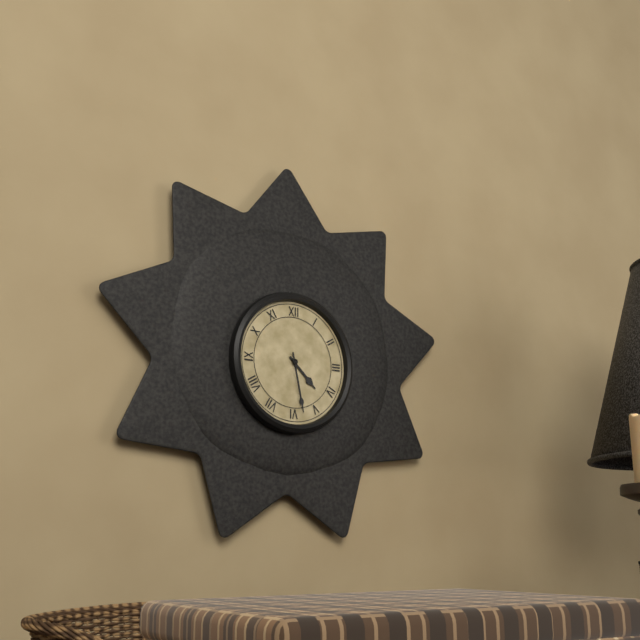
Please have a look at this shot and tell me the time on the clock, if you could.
4:28
